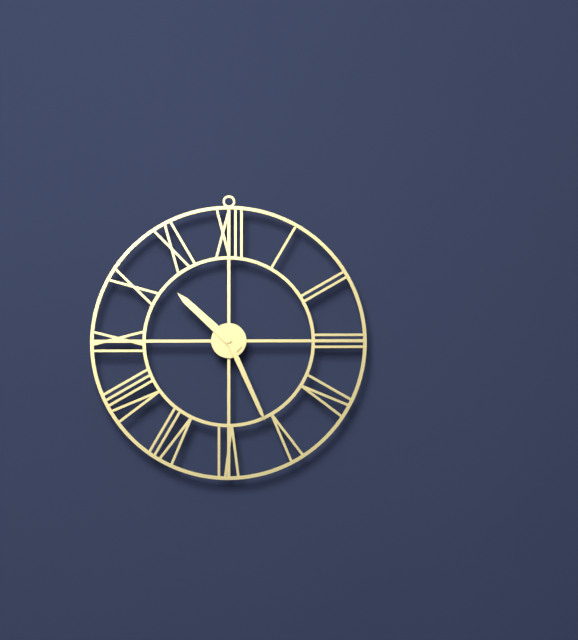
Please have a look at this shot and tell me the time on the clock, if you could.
10:26
